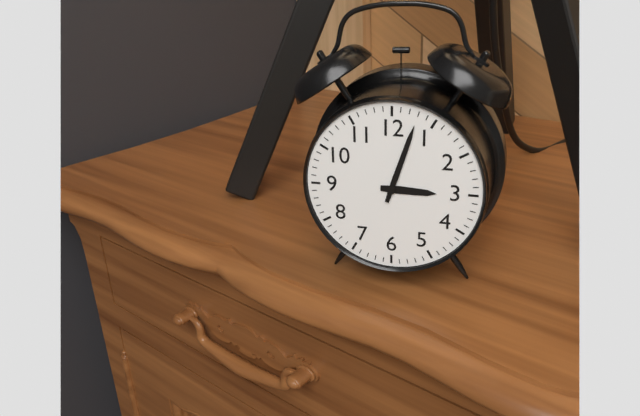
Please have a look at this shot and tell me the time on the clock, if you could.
3:03
